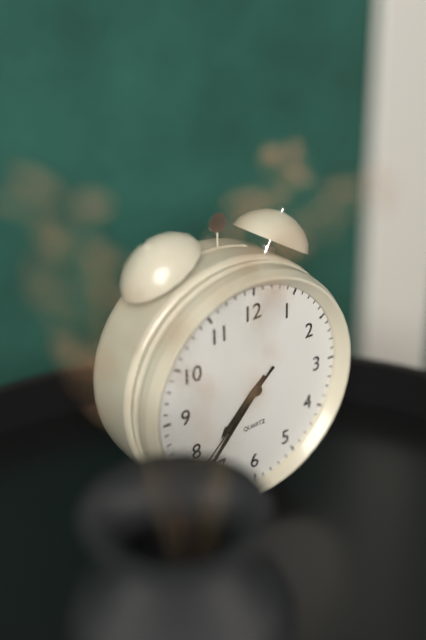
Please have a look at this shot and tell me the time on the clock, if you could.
7:37:38
